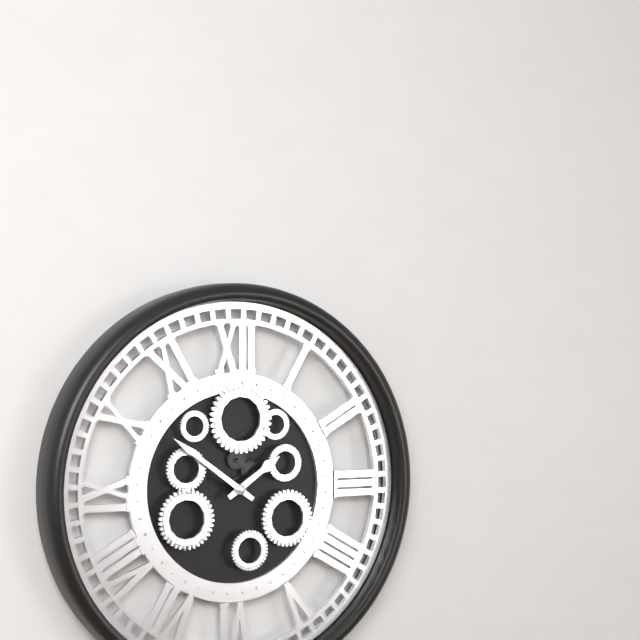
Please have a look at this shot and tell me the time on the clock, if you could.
1:51
